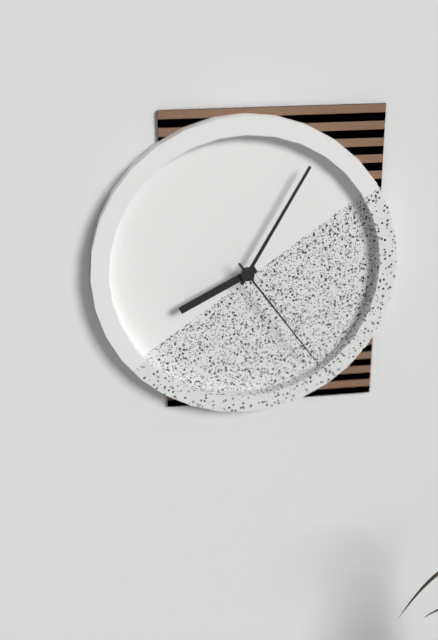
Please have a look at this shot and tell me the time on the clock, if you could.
8:05:24
